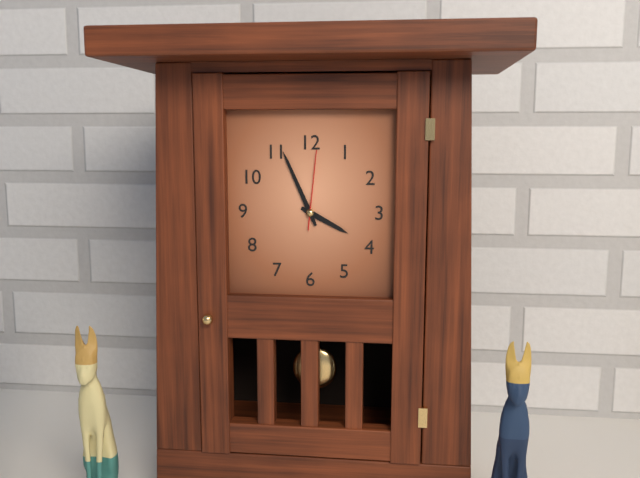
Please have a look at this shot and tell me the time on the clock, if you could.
3:56:01
